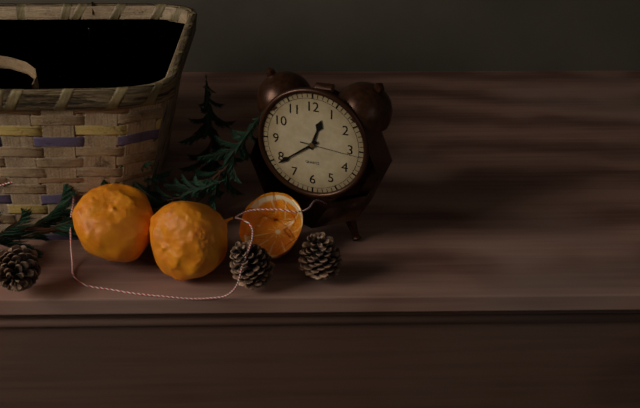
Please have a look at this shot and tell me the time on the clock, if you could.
12:39:16
